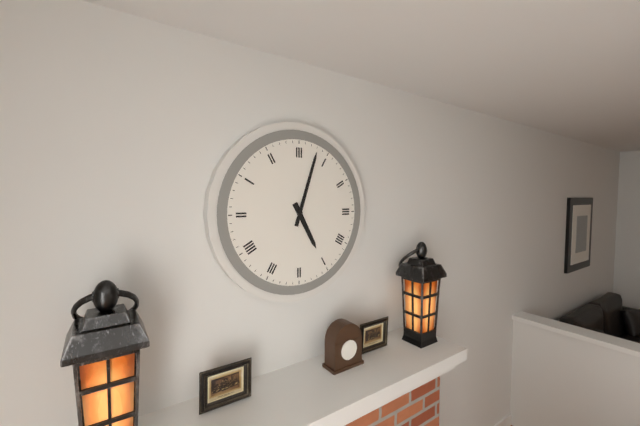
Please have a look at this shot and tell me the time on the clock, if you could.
5:03
